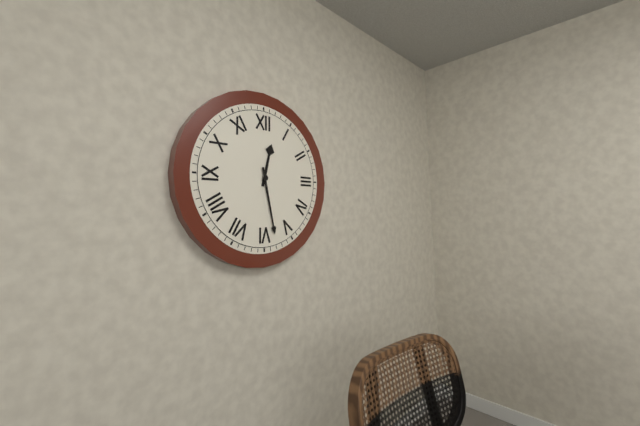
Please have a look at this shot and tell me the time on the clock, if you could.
12:28
